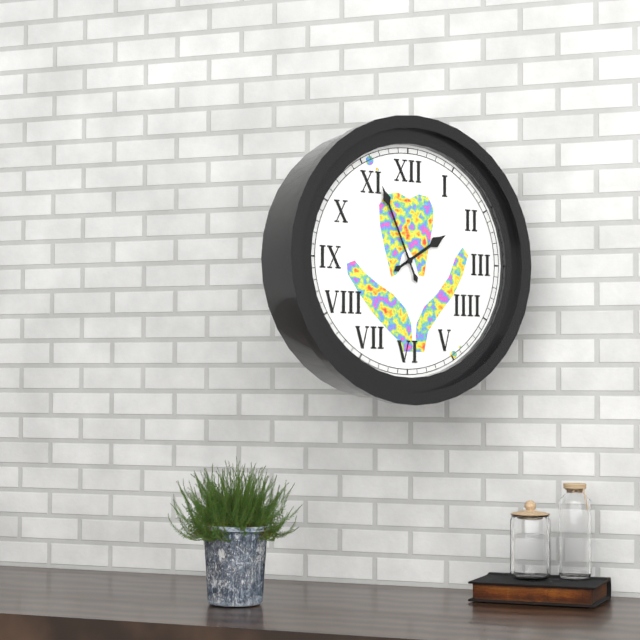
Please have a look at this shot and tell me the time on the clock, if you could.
1:56
